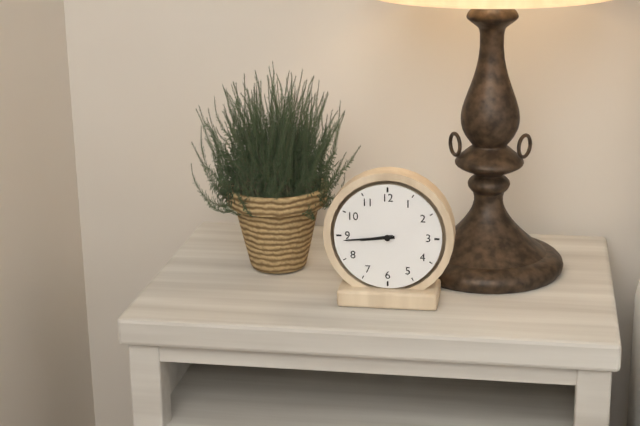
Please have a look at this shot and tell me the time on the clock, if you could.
8:44
